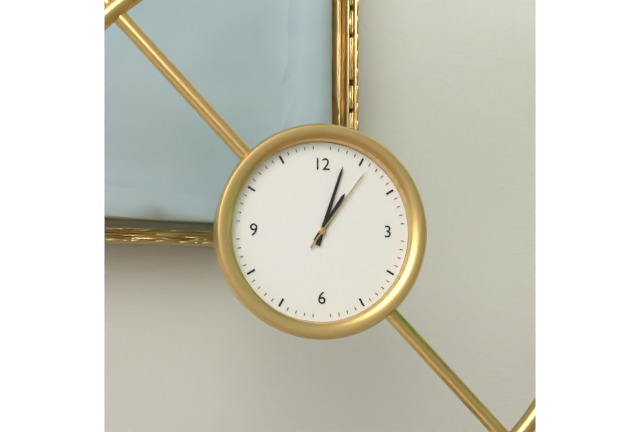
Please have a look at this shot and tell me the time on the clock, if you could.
1:03:06
